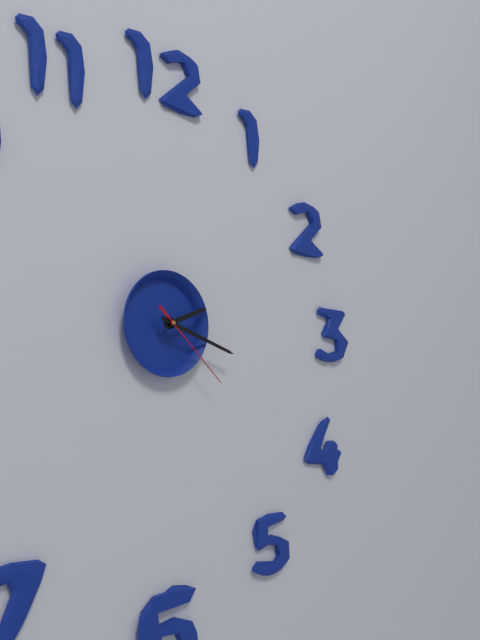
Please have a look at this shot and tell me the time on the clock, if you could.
2:18:22
